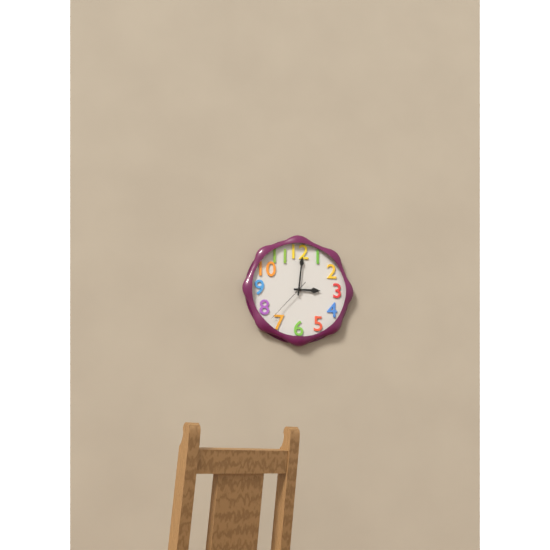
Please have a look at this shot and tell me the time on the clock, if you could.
3:01
